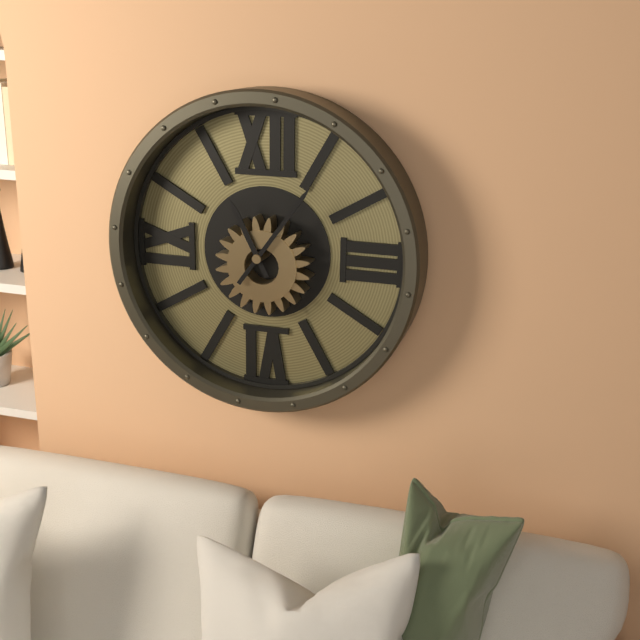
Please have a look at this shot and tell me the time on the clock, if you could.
11:06
